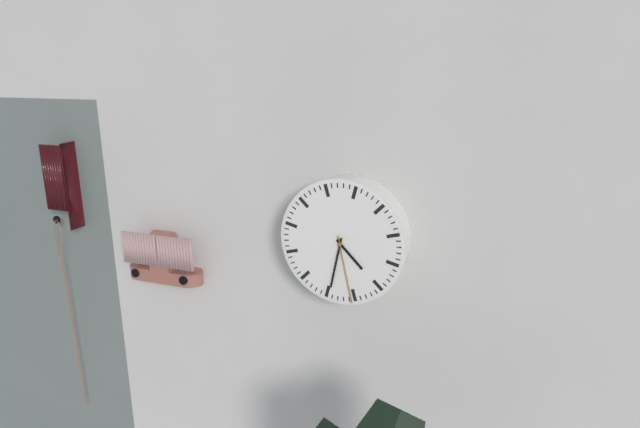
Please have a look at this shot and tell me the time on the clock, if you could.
4:32:28
